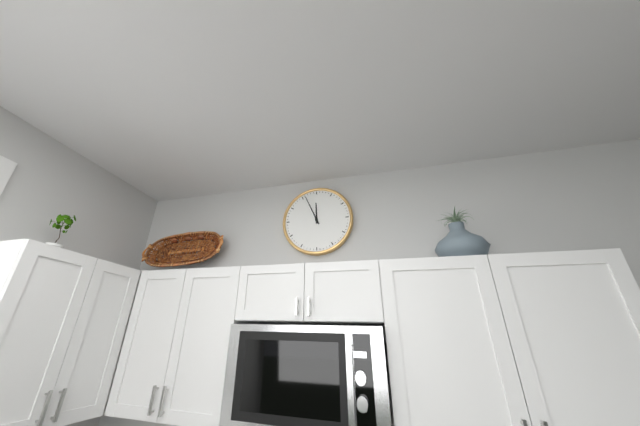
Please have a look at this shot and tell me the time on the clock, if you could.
11:56
